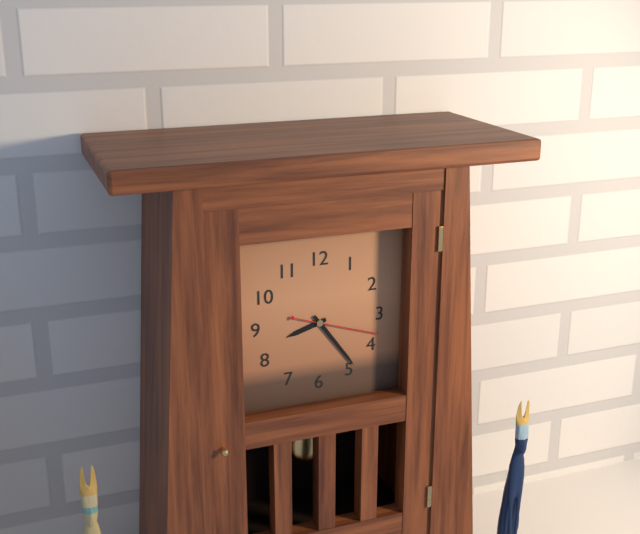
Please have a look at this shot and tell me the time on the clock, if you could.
8:24:18
